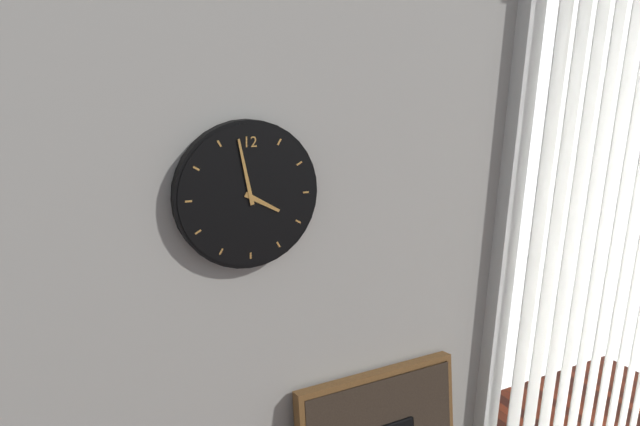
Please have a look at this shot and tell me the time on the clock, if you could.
3:58
